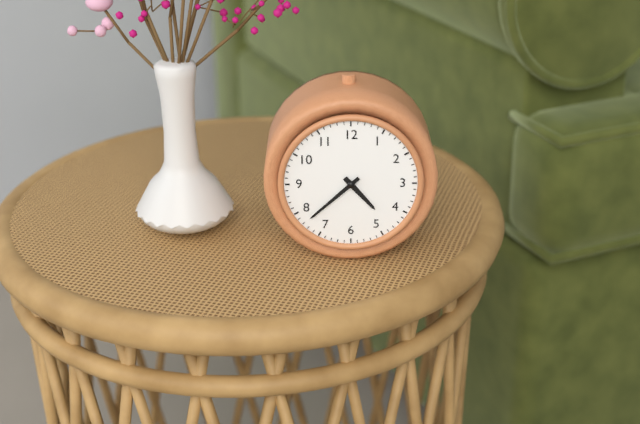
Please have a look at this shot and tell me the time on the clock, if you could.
4:38
